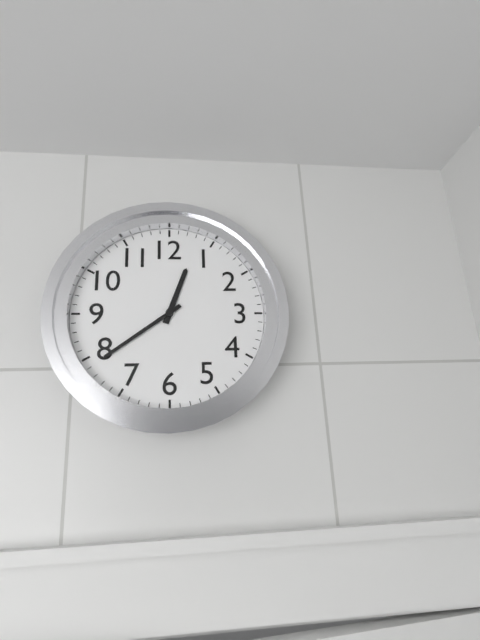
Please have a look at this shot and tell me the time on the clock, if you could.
12:39
